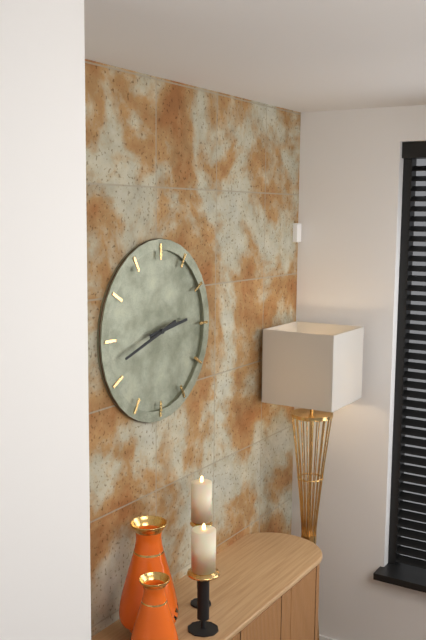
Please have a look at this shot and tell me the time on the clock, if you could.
2:42
